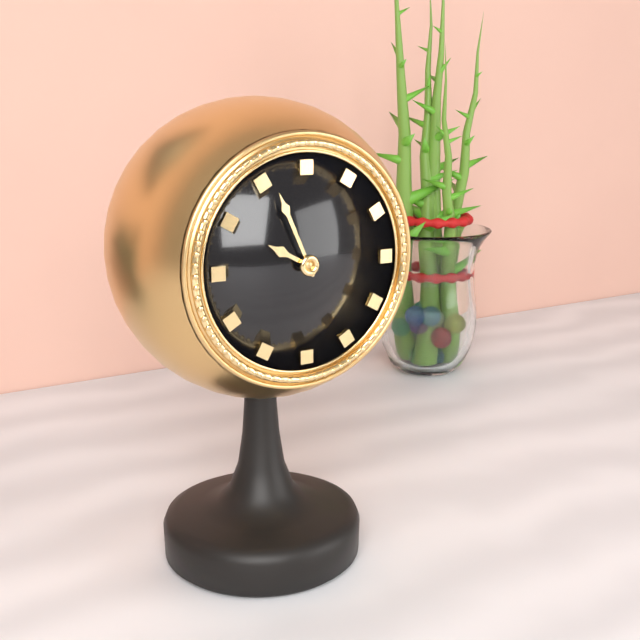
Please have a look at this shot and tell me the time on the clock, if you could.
9:56
